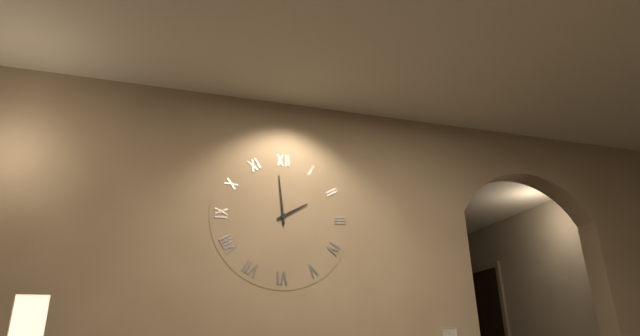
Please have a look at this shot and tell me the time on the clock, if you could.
1:59
